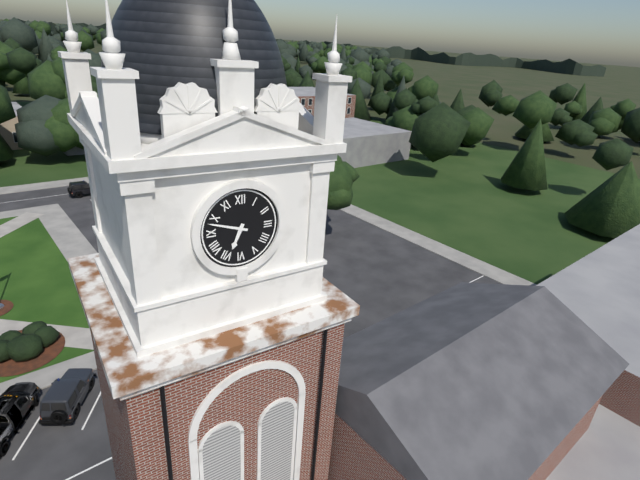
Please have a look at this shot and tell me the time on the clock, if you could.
6:48
